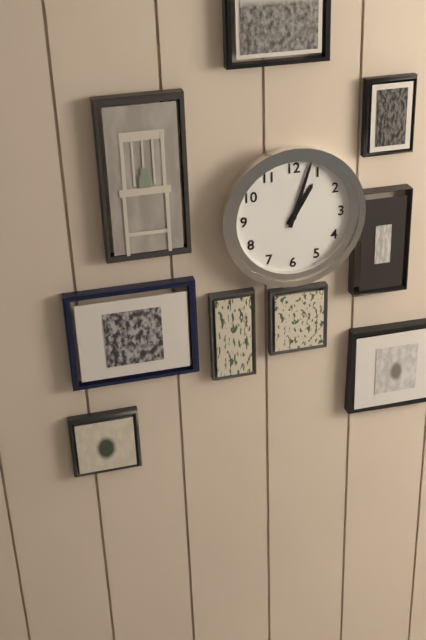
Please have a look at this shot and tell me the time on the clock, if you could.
1:03
